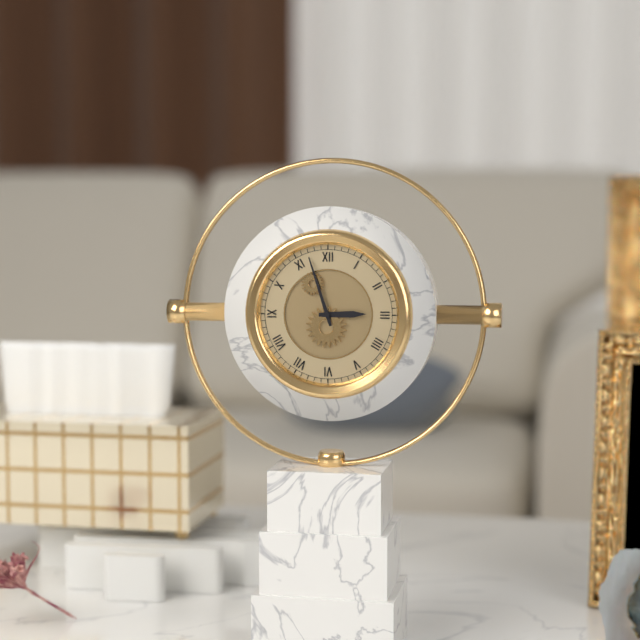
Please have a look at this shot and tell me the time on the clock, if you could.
2:57
